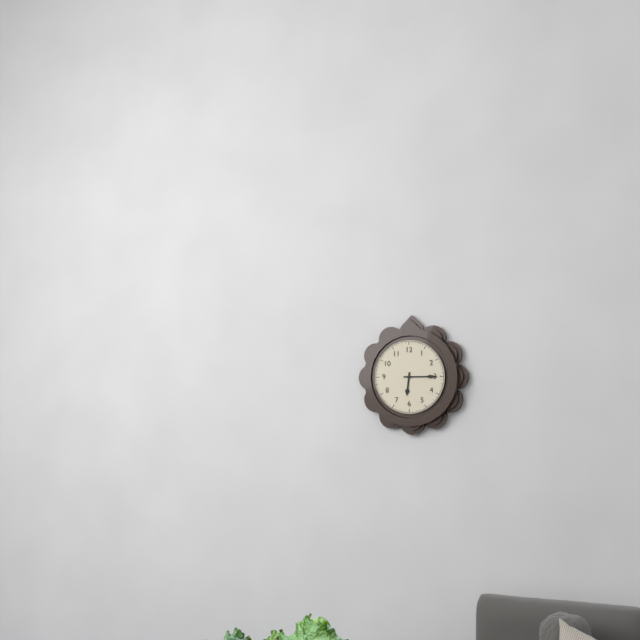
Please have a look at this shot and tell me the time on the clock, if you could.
6:15
